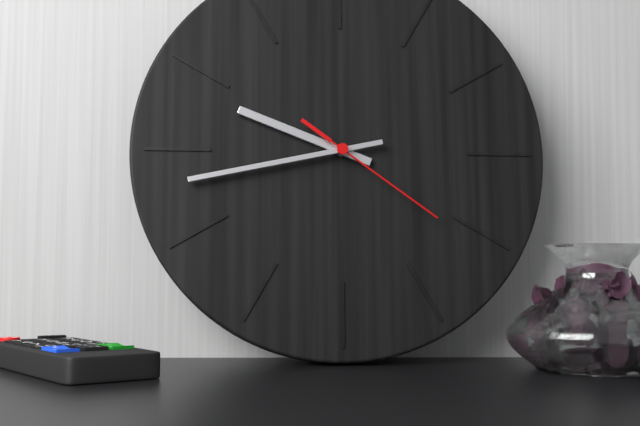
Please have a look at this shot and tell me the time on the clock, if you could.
9:43:21
